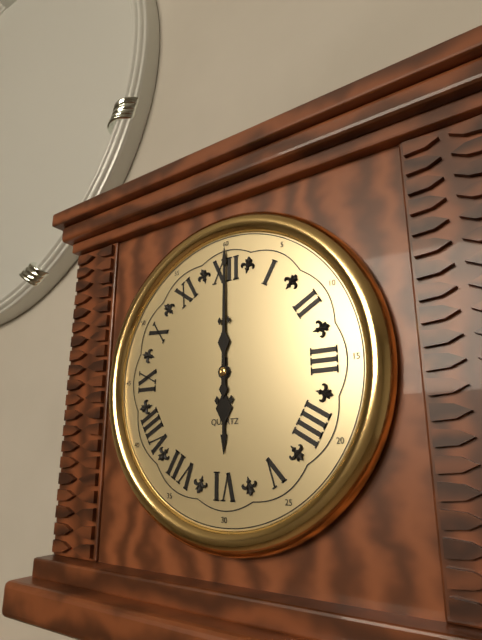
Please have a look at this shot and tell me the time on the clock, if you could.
6:00
